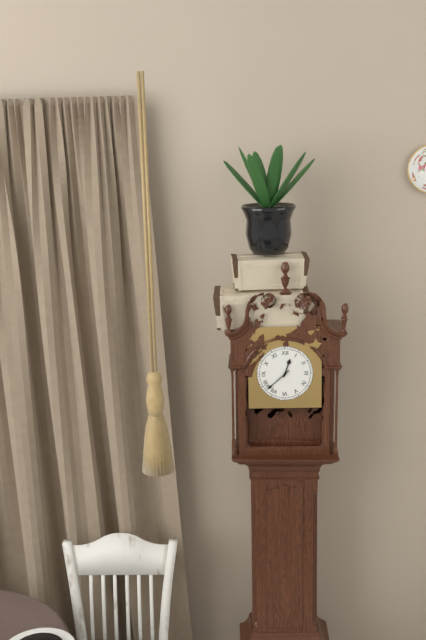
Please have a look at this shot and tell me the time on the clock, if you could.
12:38
